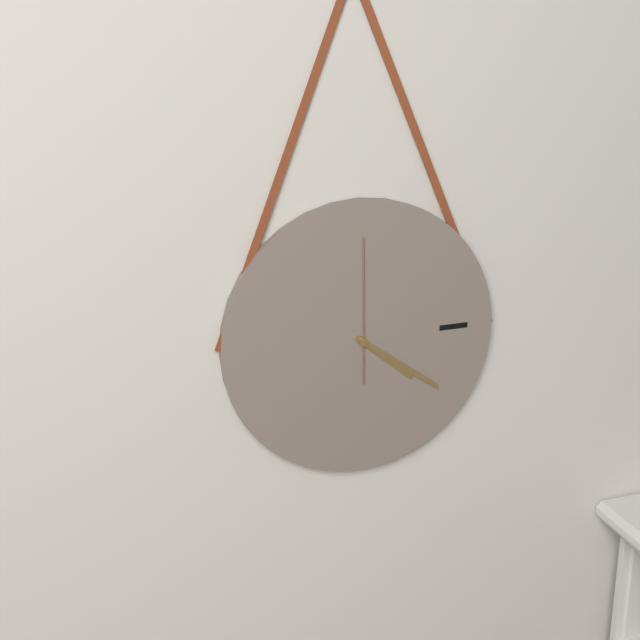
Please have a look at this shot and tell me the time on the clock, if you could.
4:21:00
